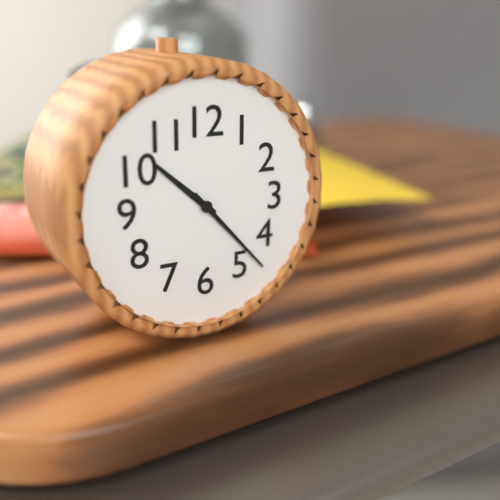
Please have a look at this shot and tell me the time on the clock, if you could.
10:23
